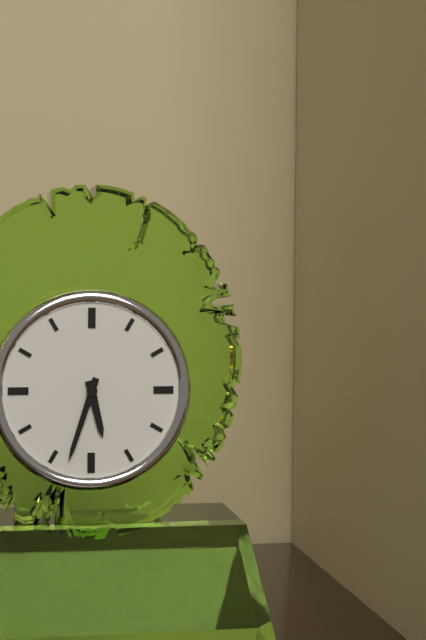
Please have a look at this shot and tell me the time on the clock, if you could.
5:33
